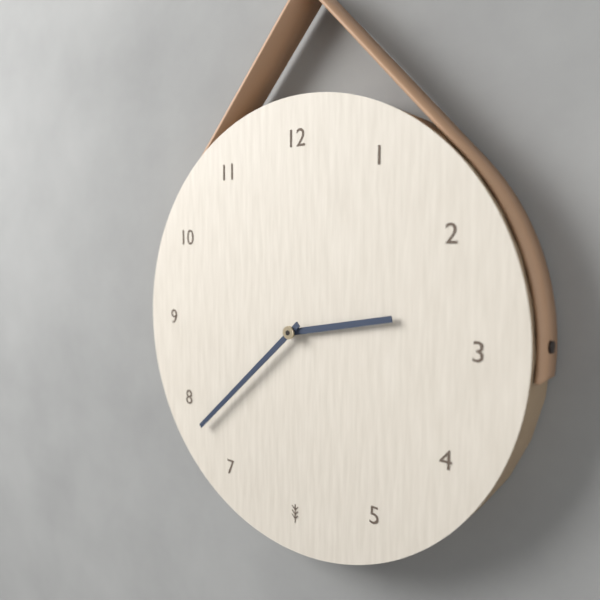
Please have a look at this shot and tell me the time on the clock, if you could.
2:38
